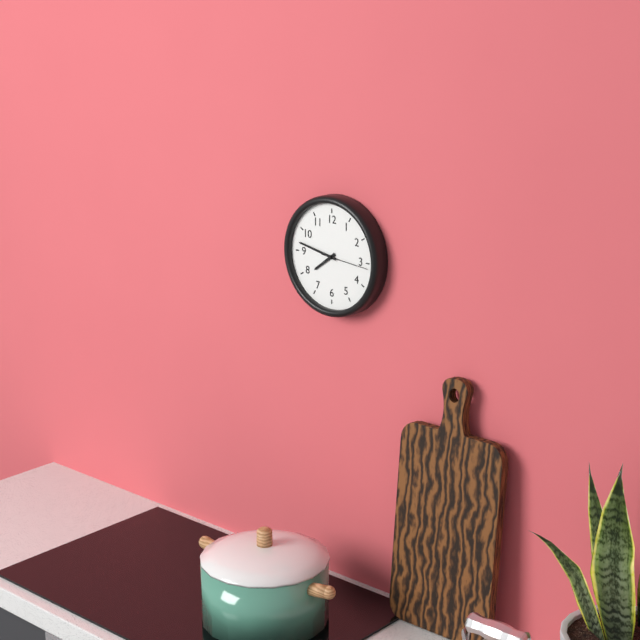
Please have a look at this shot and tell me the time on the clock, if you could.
7:47
